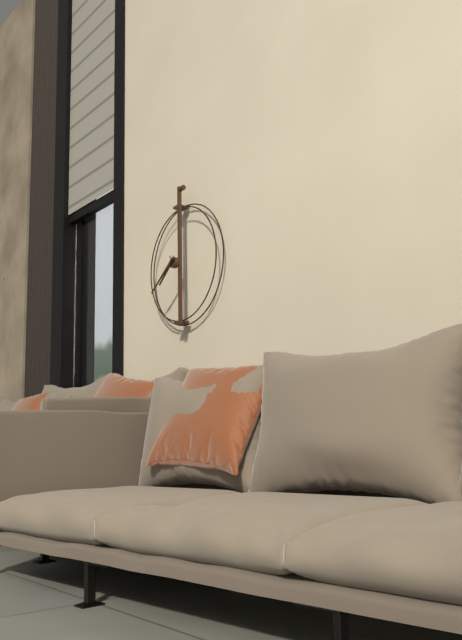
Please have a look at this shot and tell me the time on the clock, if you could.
7:39
